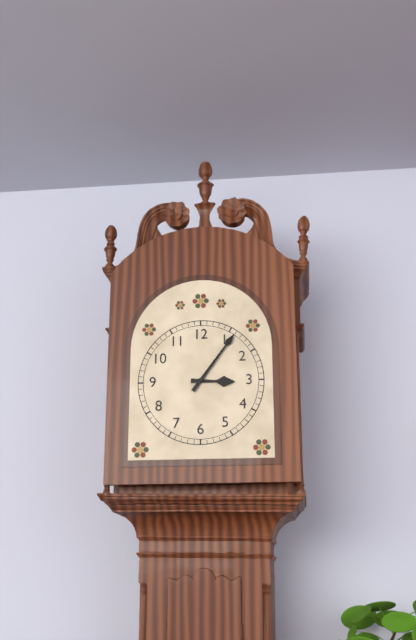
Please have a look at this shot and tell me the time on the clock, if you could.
3:06
